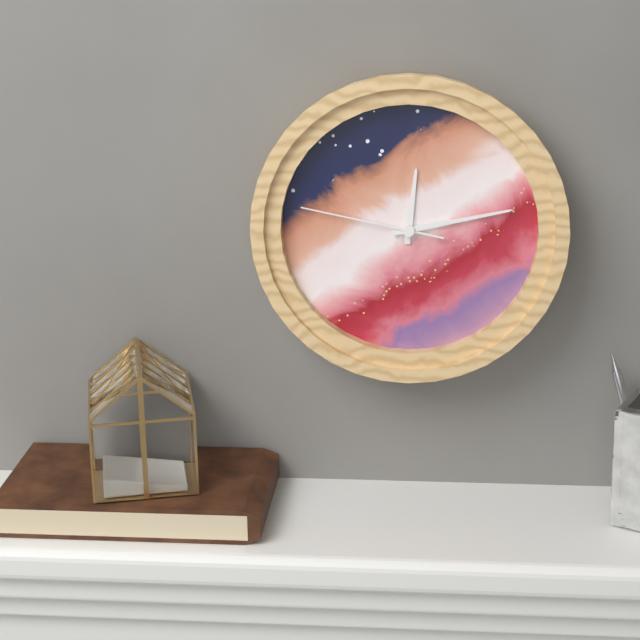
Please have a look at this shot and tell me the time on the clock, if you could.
12:13:47
